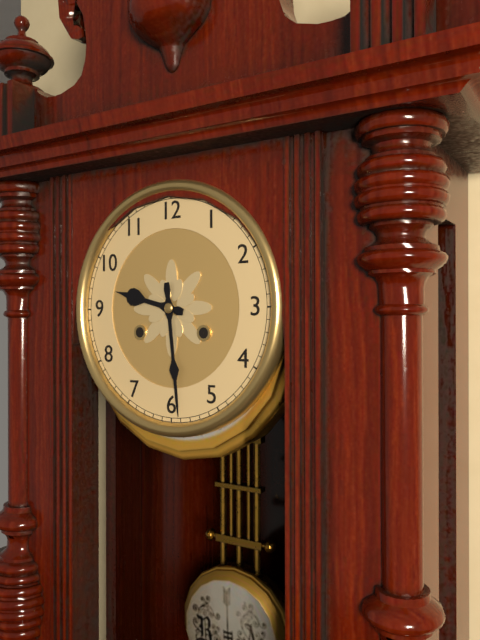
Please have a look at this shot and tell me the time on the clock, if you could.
9:29
